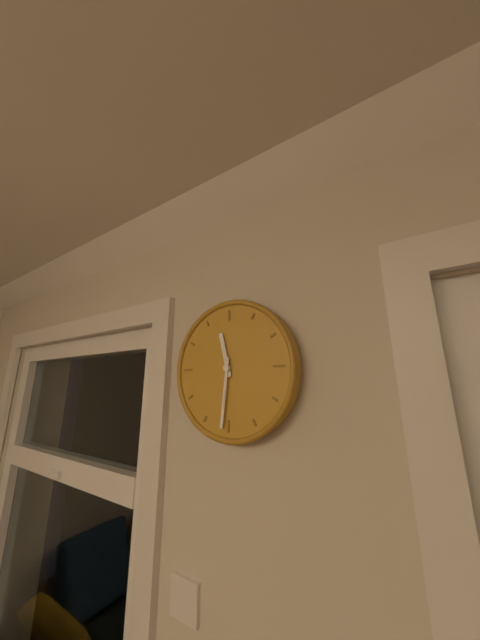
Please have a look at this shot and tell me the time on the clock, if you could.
11:31
